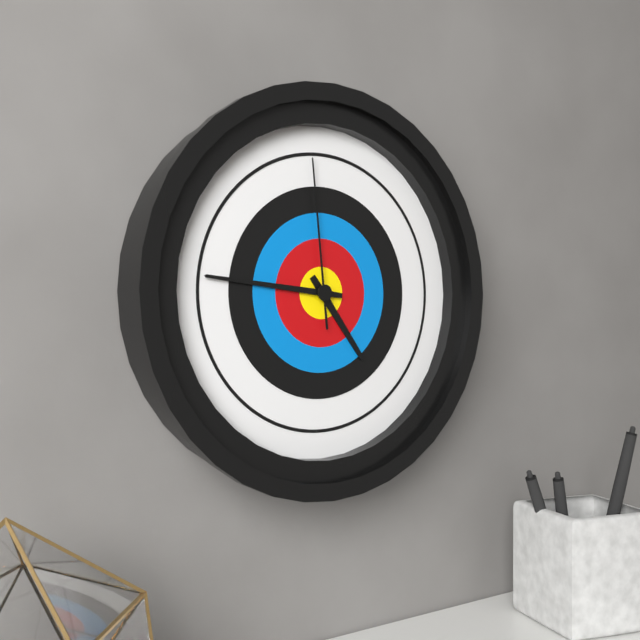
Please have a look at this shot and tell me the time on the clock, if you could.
4:46:59
